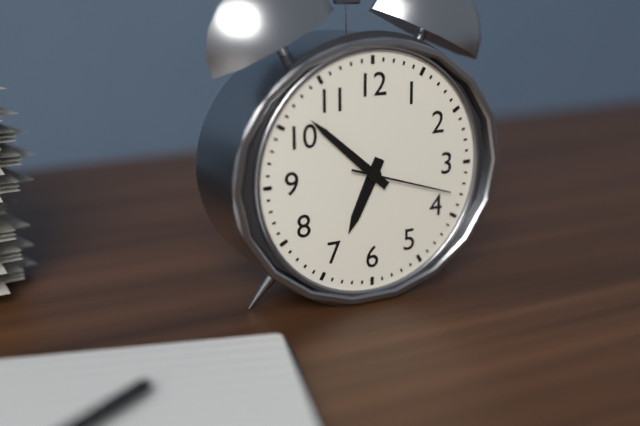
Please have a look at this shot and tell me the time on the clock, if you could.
6:52:18
